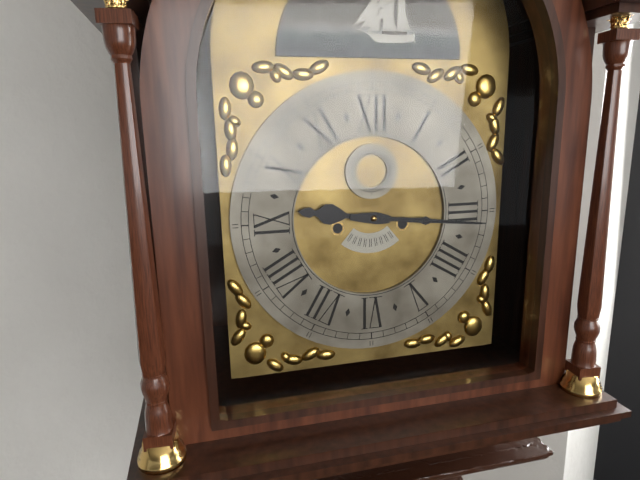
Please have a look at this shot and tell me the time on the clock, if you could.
9:16
